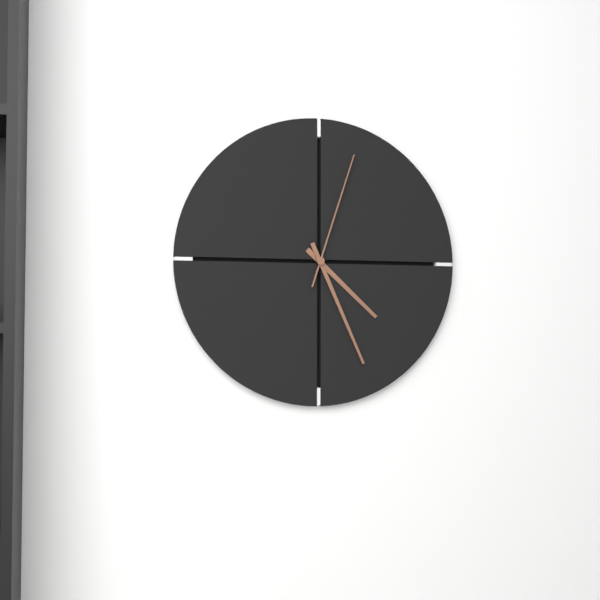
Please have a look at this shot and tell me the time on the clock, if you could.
4:26:03
